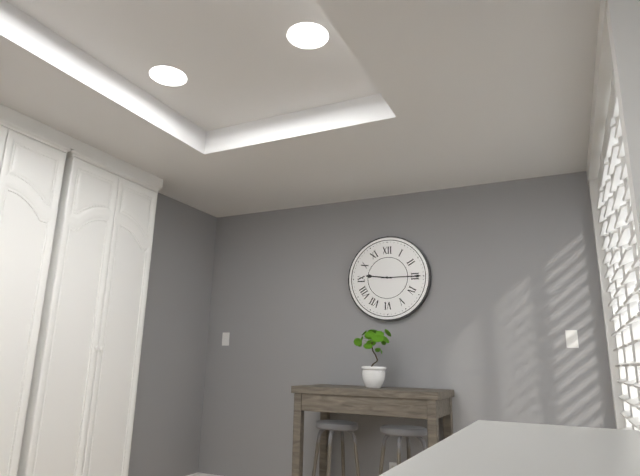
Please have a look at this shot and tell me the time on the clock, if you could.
9:15
